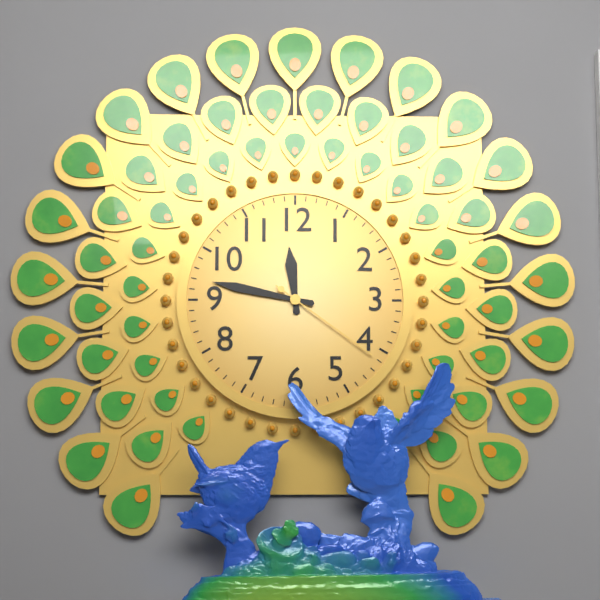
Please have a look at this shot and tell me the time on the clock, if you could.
11:47:21
